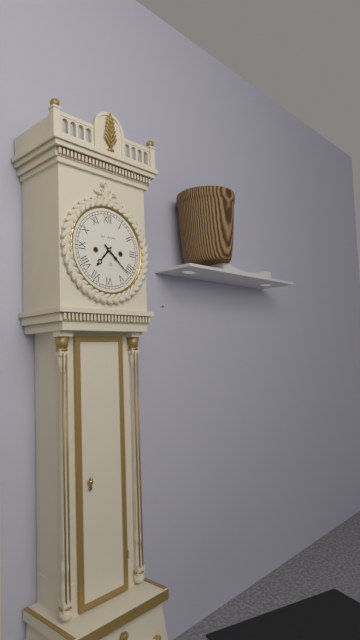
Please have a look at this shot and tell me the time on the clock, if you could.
7:22
